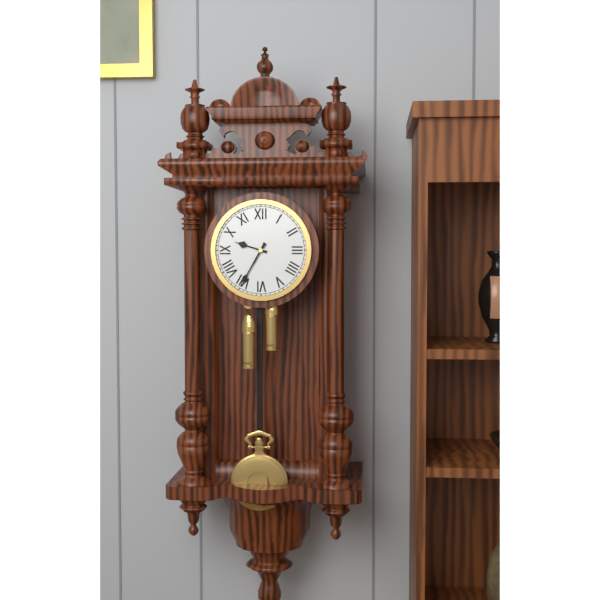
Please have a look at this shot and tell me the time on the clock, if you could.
9:35
